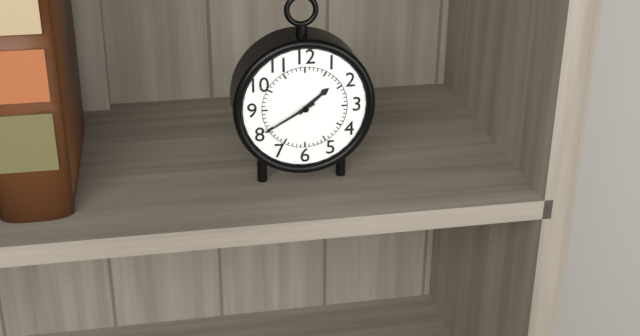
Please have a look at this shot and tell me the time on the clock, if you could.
1:40
